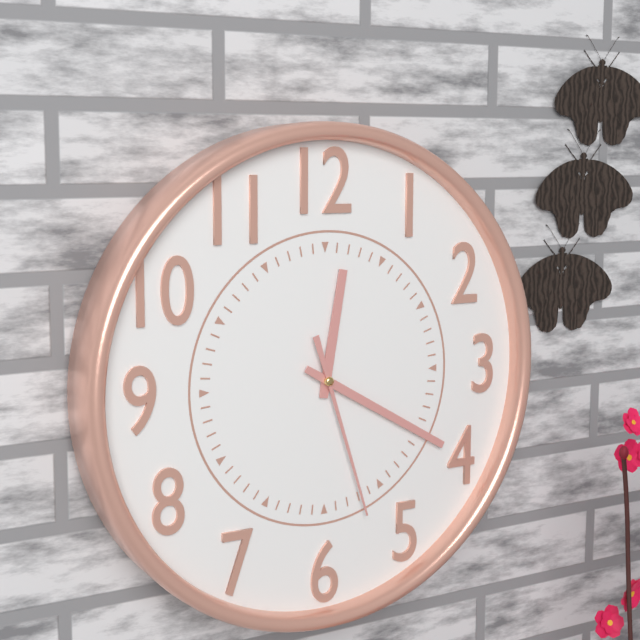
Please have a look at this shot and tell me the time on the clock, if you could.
12:20:27
